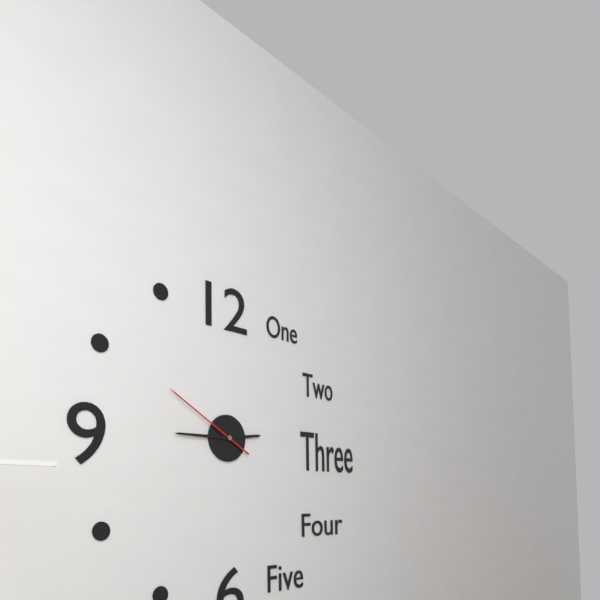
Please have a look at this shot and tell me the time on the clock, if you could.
2:45:50
